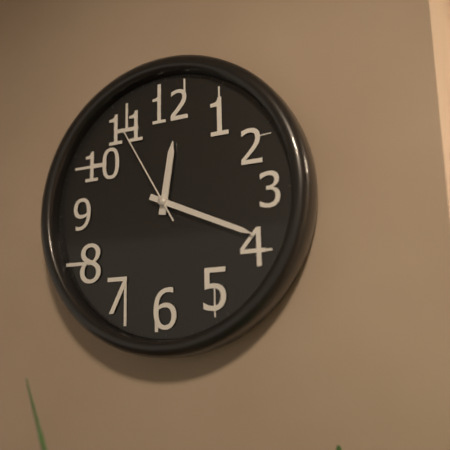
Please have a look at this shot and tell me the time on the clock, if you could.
12:19:55
